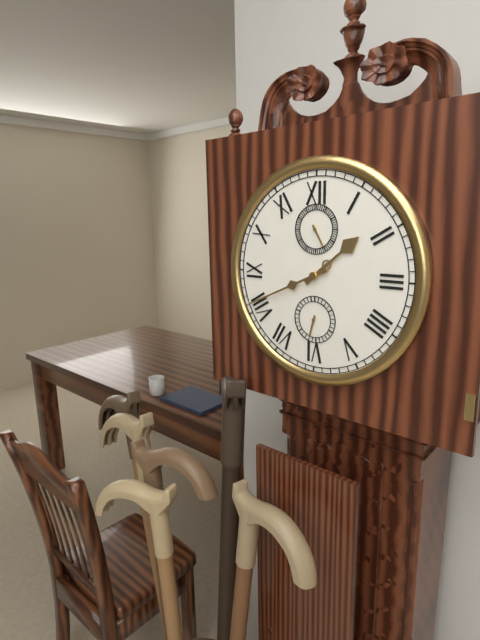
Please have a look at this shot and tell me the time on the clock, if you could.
1:41
